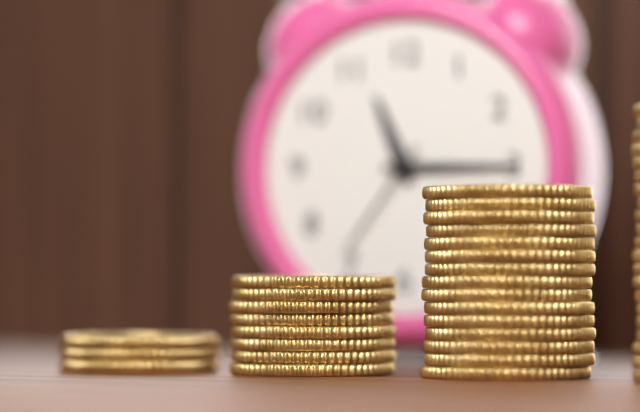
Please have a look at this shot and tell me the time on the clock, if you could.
11:15:36
